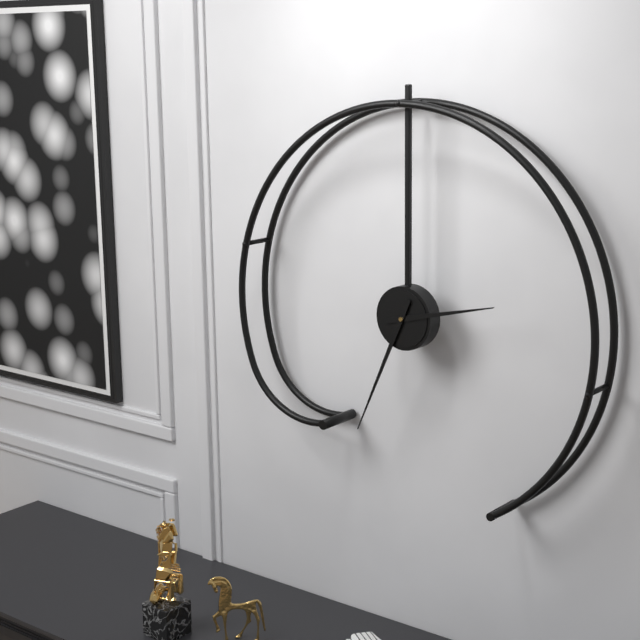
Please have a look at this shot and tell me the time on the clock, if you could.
2:34
